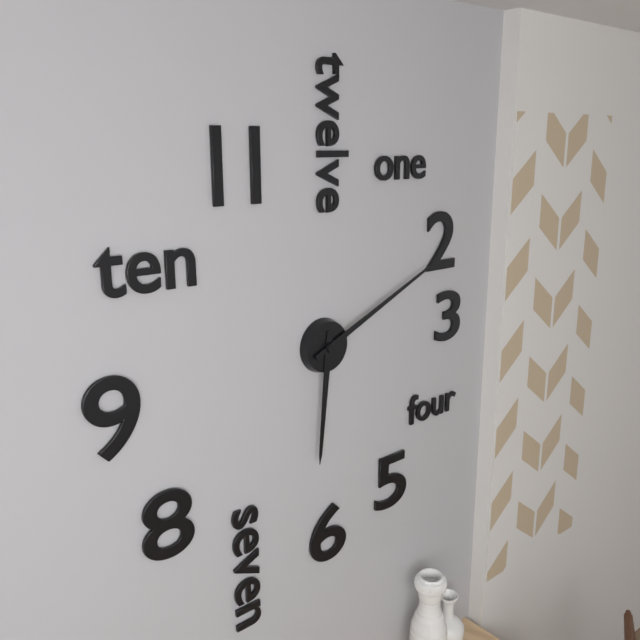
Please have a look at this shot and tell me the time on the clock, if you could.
6:11
